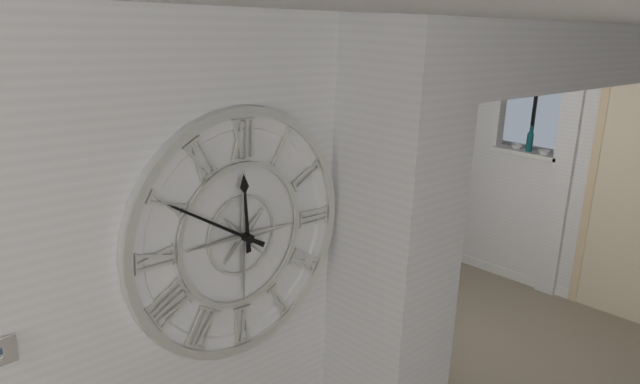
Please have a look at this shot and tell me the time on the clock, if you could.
11:50
